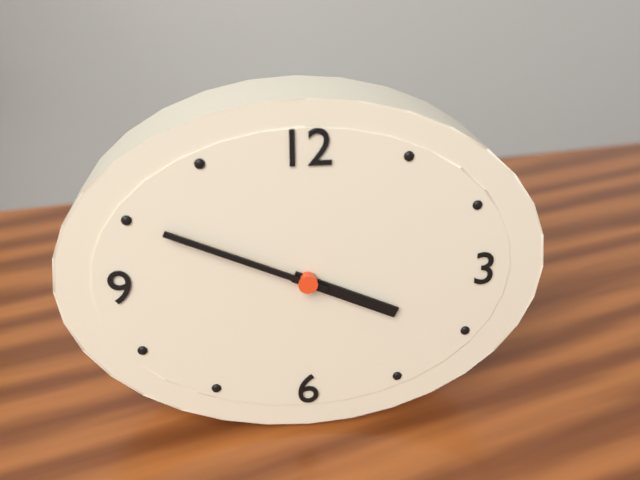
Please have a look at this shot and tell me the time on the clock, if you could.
3:49
